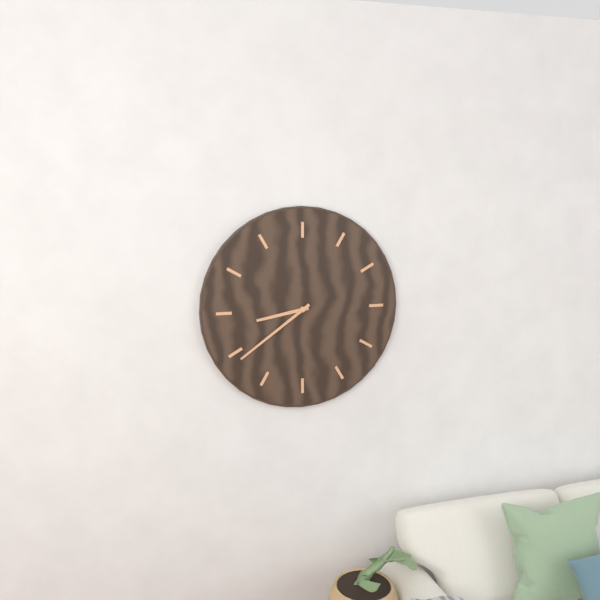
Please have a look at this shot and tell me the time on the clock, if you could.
8:39
